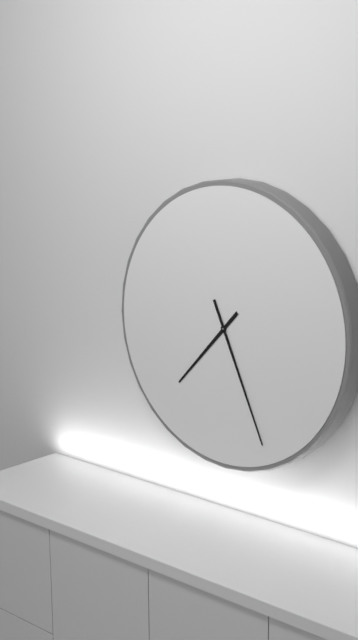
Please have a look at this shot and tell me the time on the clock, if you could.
7:26
